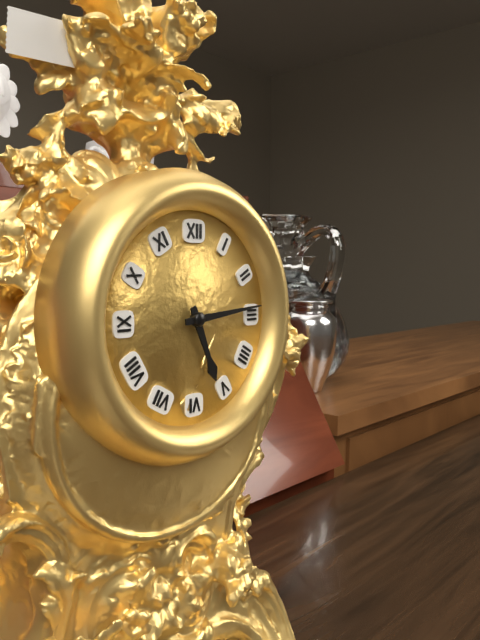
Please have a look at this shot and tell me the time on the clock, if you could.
5:14
